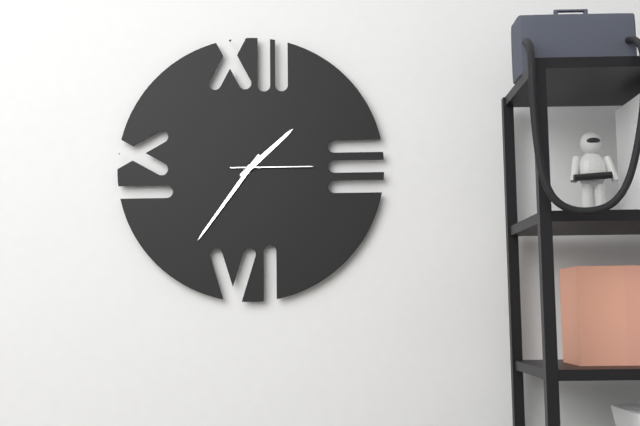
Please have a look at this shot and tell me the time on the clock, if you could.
1:36:15
